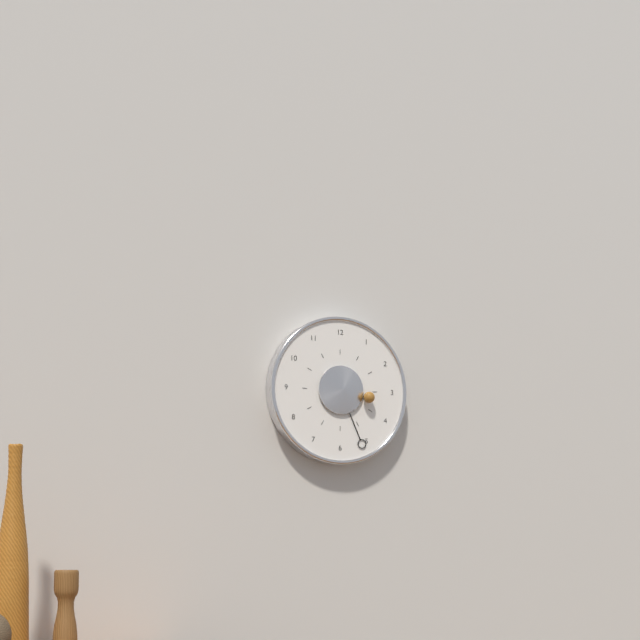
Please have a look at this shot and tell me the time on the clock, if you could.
3:26
